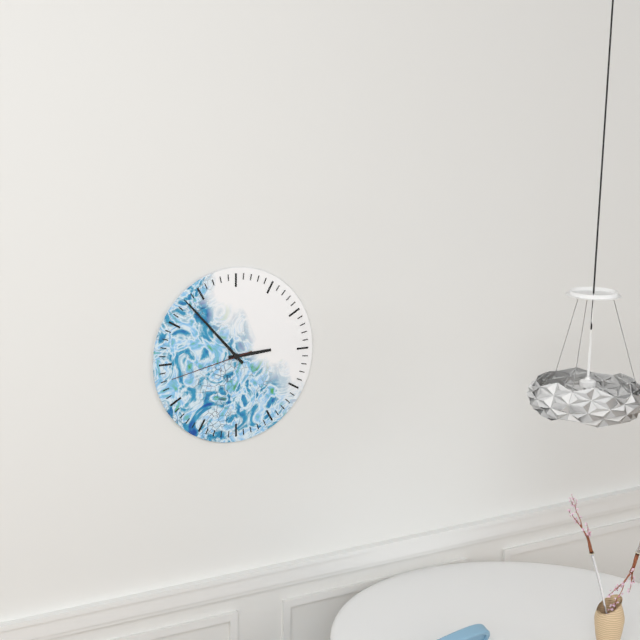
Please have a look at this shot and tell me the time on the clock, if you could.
2:53:43
